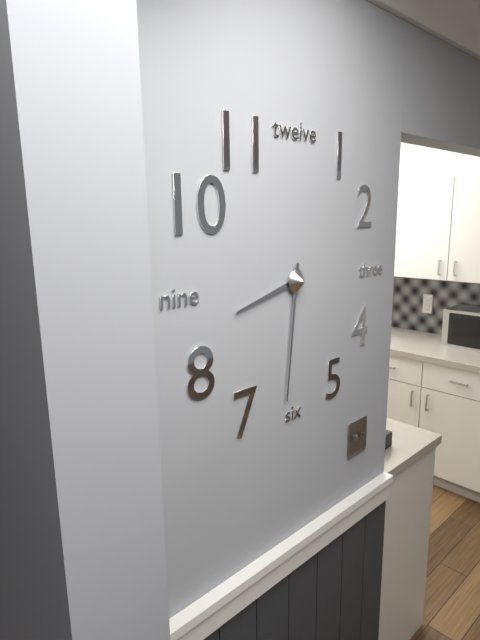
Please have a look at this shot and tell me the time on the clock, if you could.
8:31
